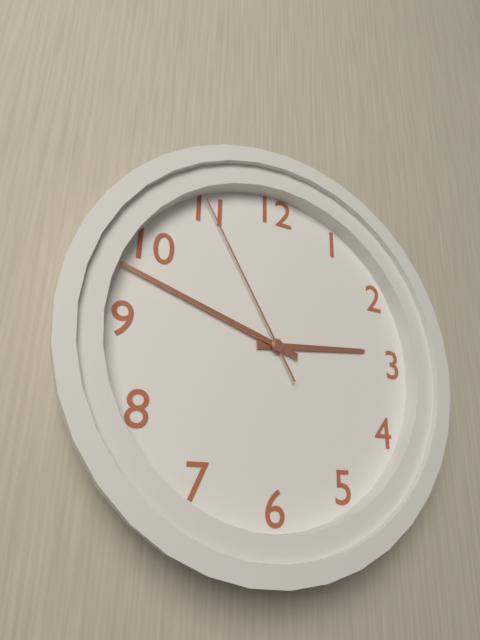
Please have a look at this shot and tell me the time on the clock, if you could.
2:48:55
